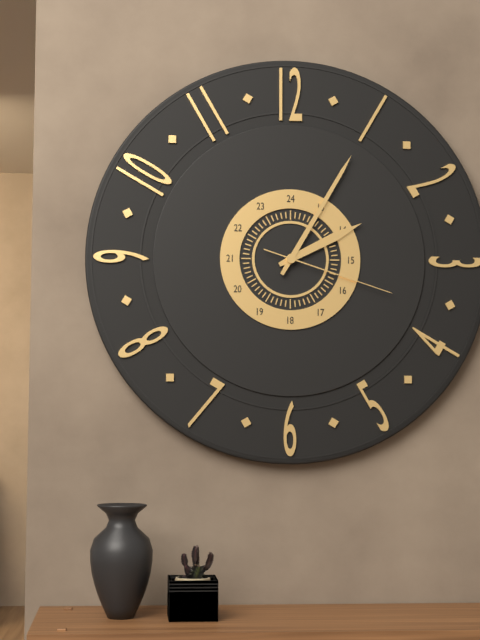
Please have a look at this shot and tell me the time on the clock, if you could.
2:05:18
